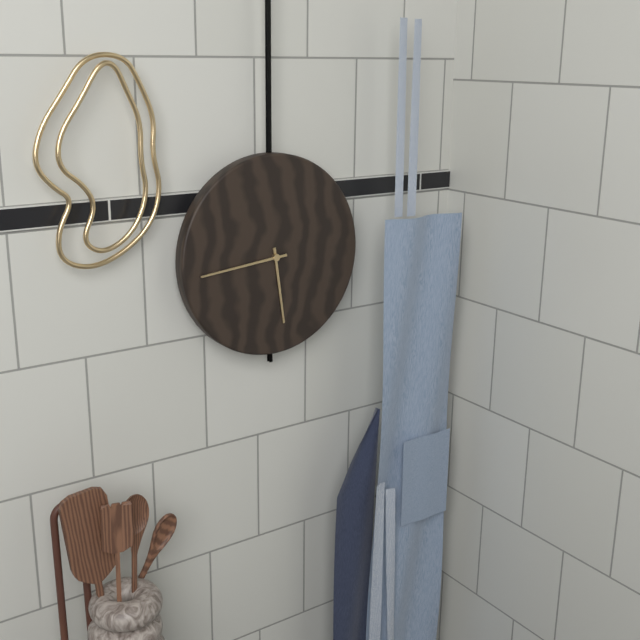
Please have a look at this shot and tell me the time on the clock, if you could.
5:44
